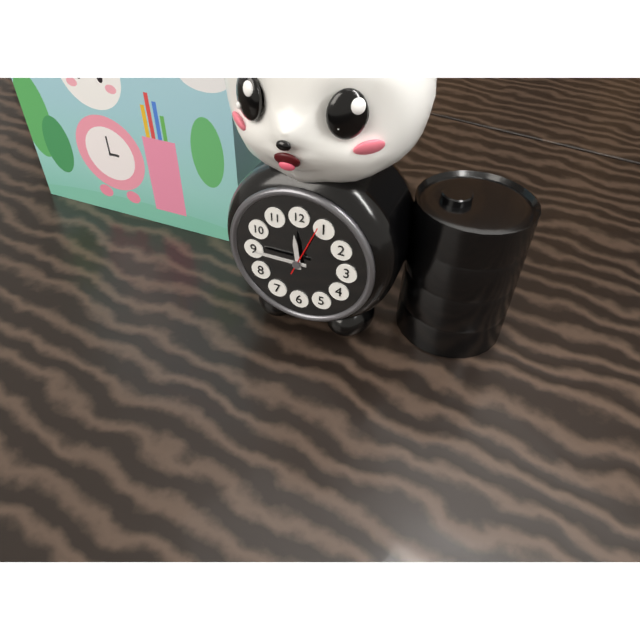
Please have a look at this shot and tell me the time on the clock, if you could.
11:45:04
